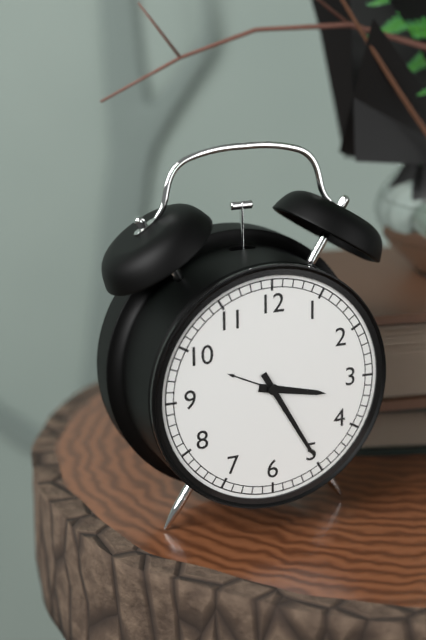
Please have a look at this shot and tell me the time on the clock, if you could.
3:25
